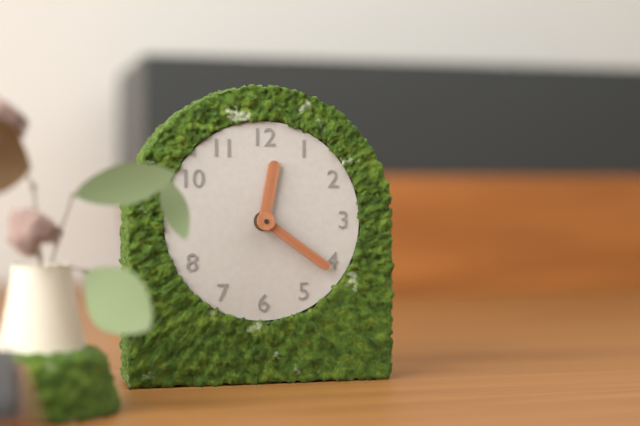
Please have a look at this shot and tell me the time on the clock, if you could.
12:21
